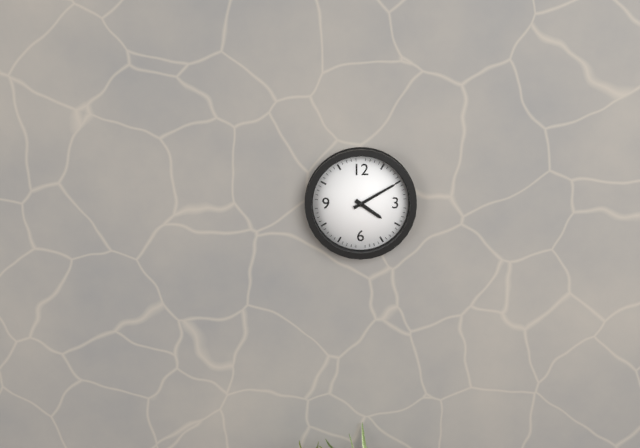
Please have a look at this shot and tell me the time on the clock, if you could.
4:10
